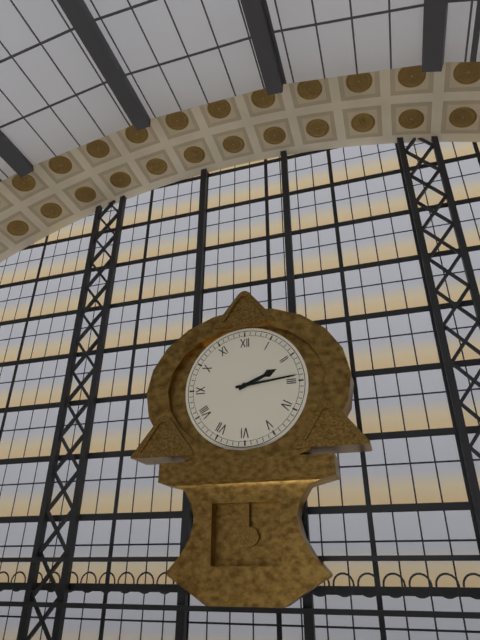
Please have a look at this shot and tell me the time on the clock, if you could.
2:14
